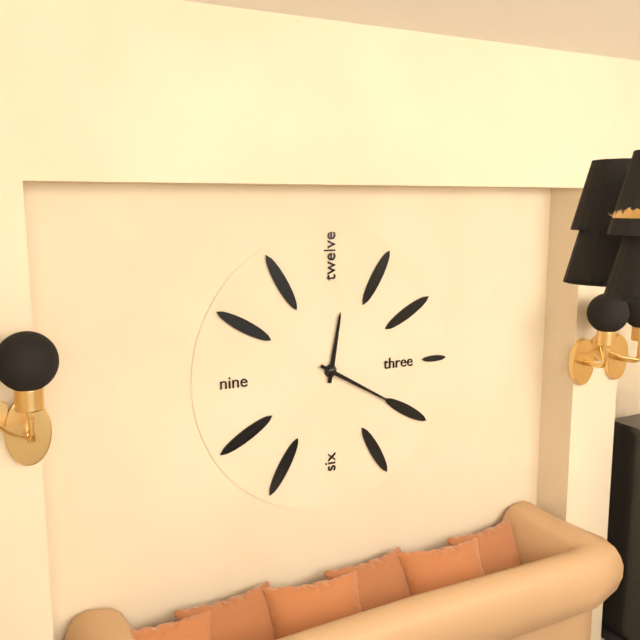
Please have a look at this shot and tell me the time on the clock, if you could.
12:20
